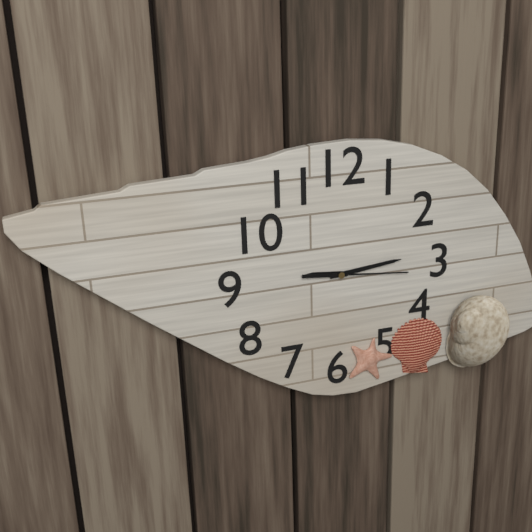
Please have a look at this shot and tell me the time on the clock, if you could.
9:14:16
